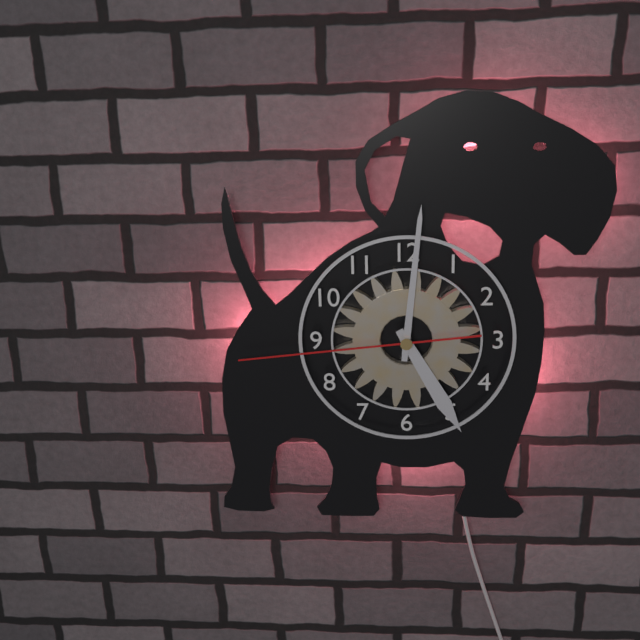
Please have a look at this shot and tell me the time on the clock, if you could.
5:01:44
